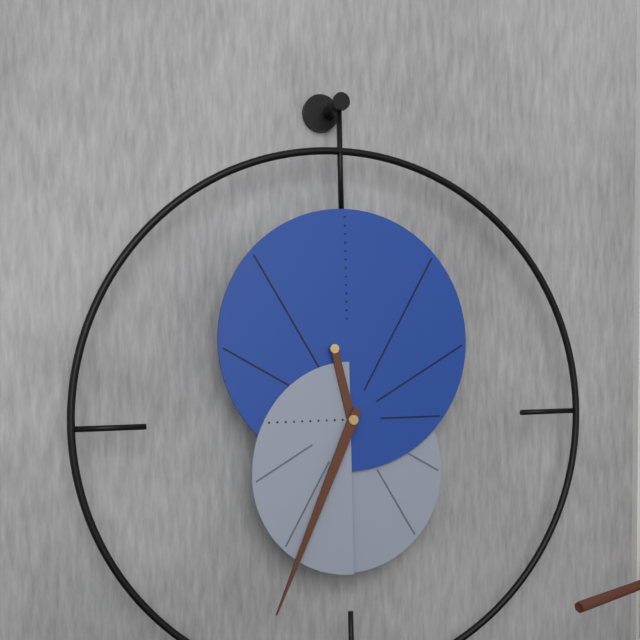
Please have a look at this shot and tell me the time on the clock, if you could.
11:34
